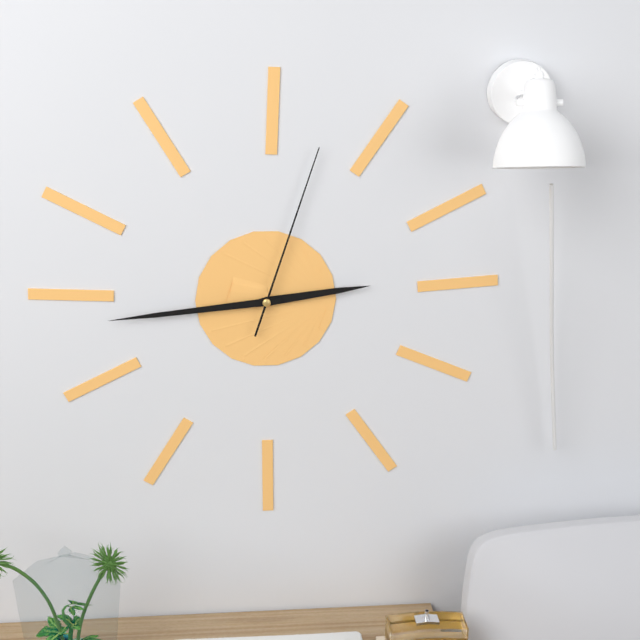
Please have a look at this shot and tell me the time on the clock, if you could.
2:44:03
